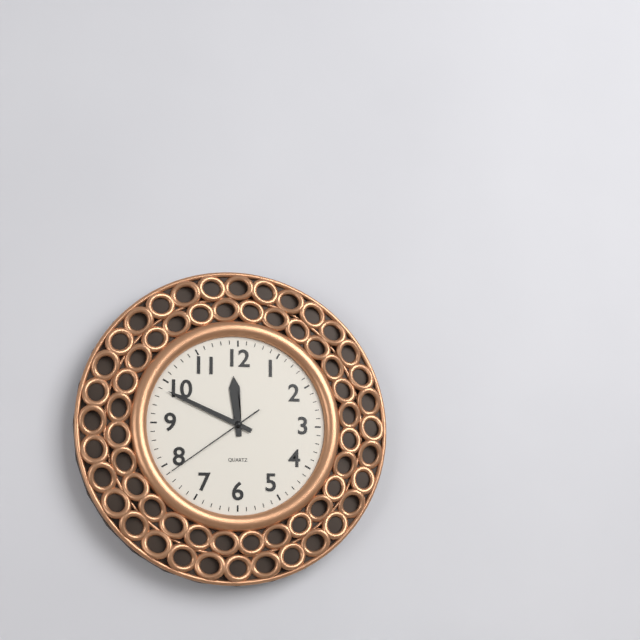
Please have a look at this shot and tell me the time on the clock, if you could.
11:49:39
